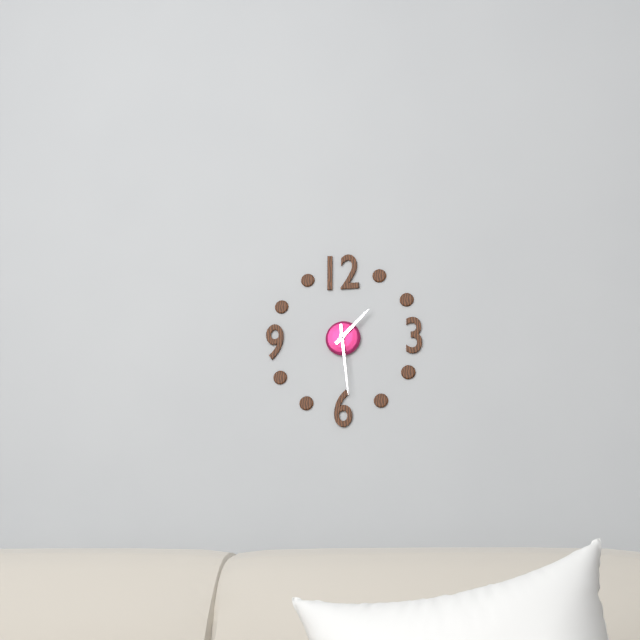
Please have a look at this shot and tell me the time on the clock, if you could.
1:29
